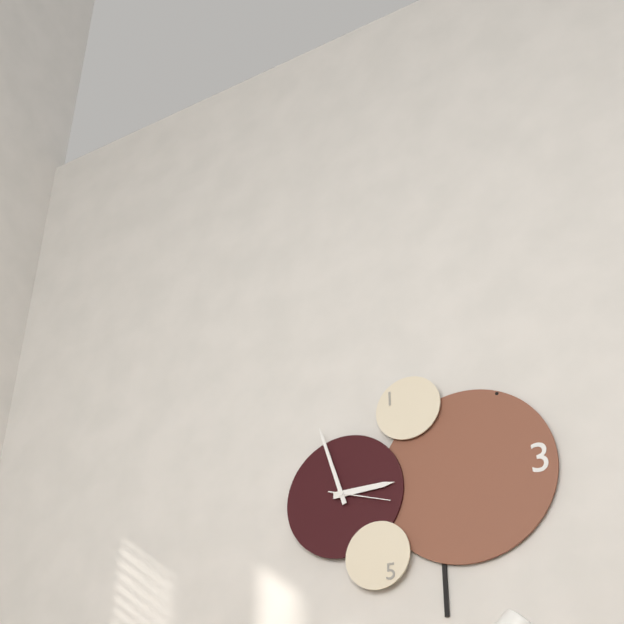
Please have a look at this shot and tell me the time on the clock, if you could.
2:57:18
